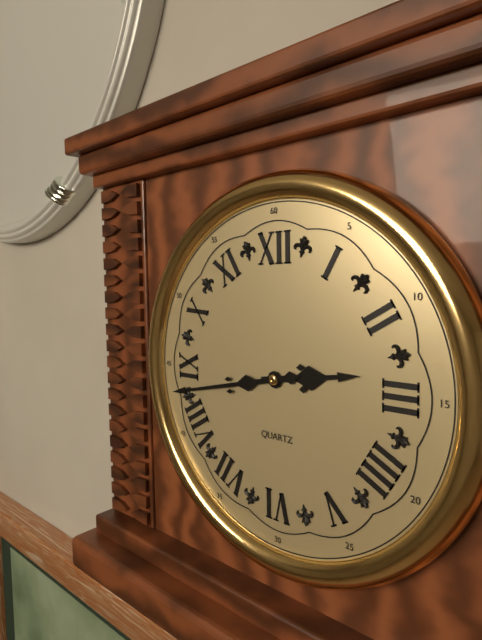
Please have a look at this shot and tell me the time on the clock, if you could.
2:43
